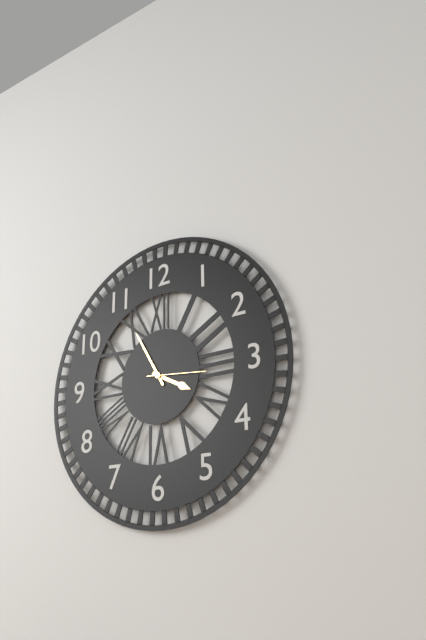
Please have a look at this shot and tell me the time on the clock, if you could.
3:55:16
